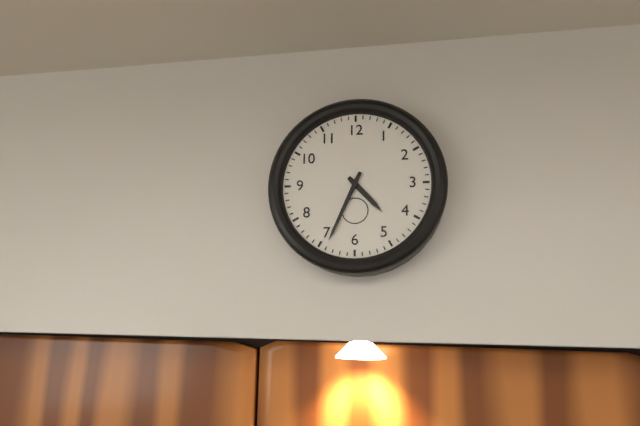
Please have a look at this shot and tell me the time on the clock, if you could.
4:34
